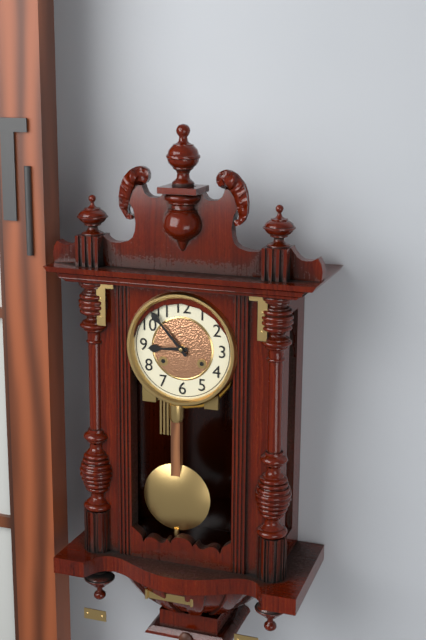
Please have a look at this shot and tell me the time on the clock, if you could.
8:53
